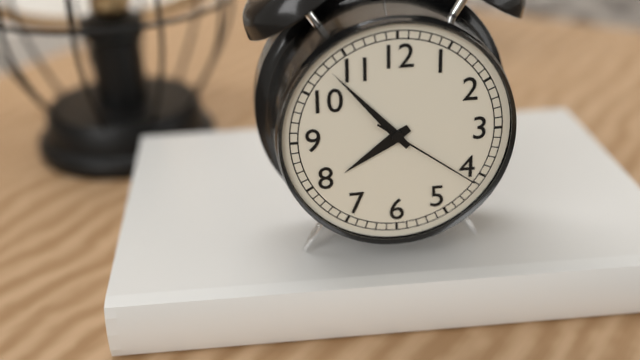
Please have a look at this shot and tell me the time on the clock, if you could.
7:53:21
